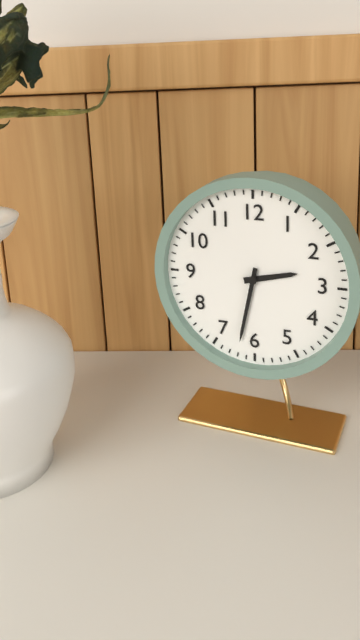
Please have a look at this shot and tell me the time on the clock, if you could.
2:32
